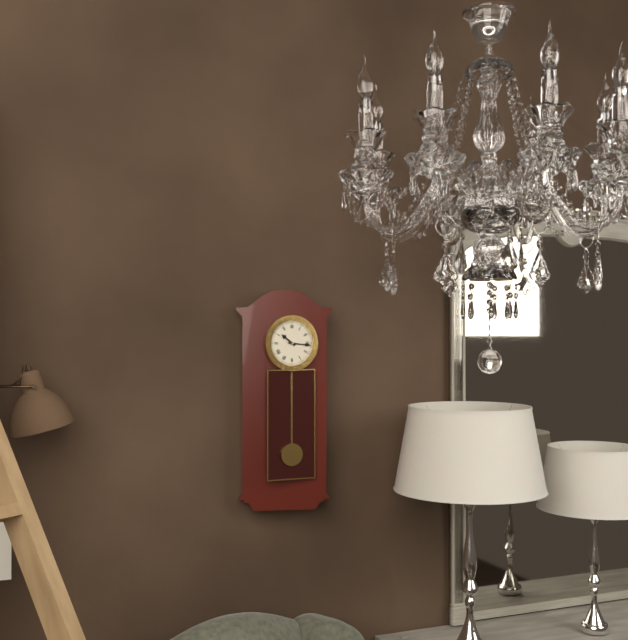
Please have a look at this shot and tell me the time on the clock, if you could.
10:16
